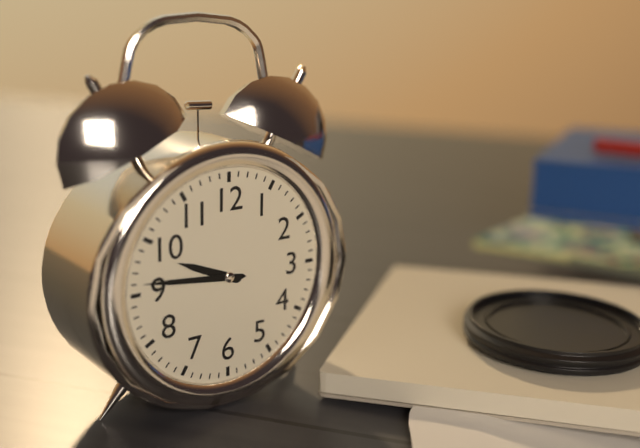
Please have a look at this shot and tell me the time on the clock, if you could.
9:46
